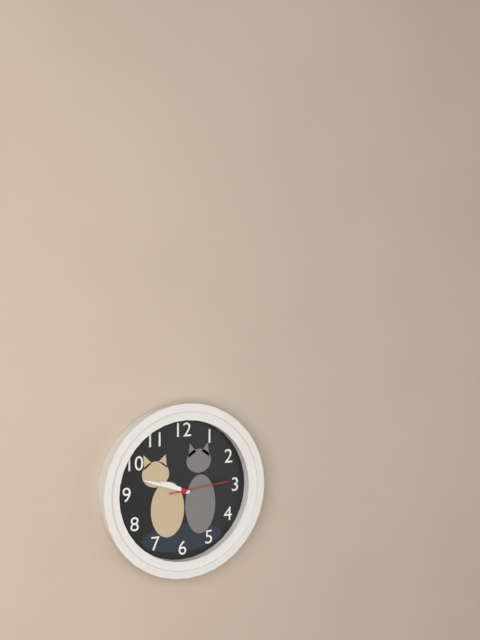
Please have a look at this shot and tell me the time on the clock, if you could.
9:48:14
